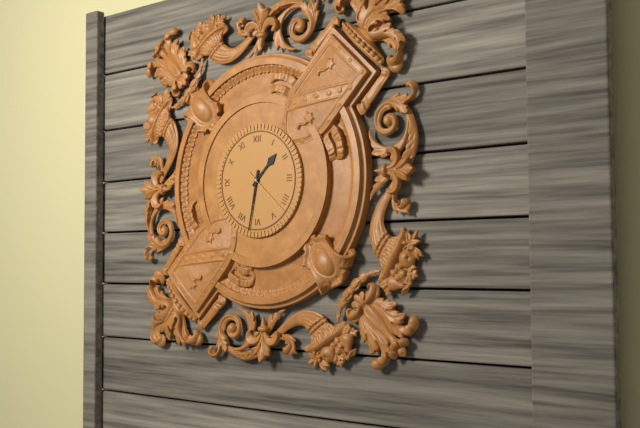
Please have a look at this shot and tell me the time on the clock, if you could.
1:32
